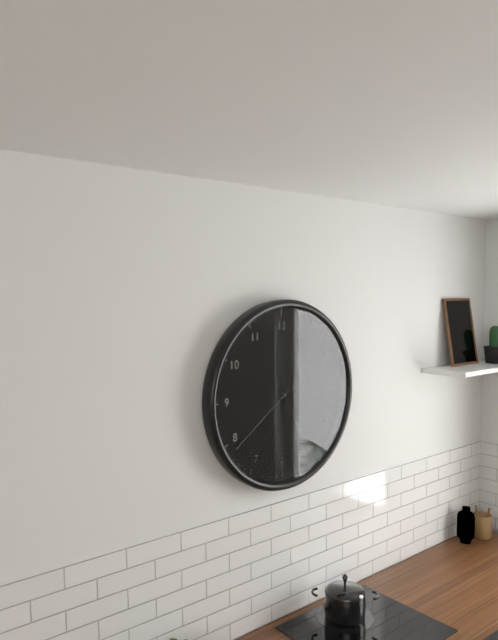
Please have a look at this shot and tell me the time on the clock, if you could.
4:47:39
